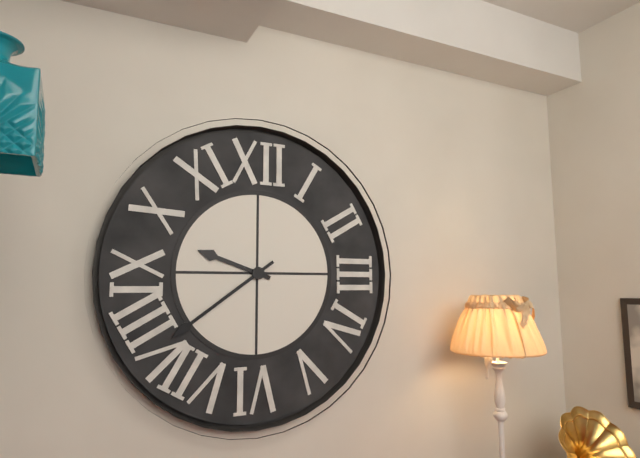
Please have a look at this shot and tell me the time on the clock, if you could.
9:39
